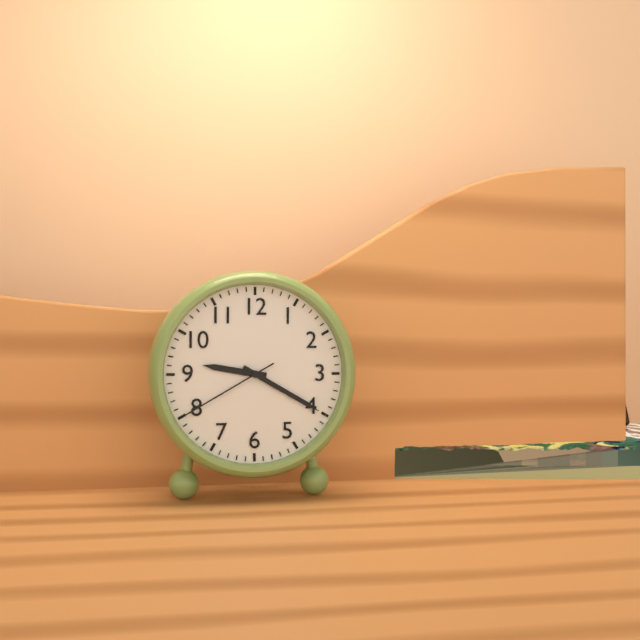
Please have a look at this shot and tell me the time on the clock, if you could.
9:20:40
